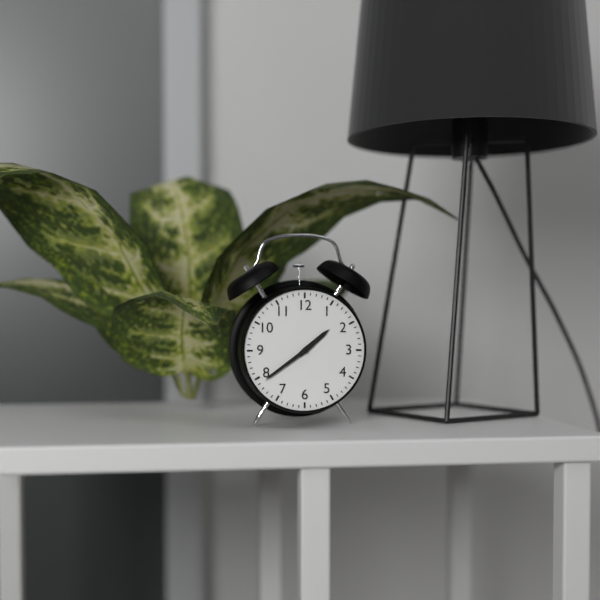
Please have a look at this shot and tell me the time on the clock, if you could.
1:39
